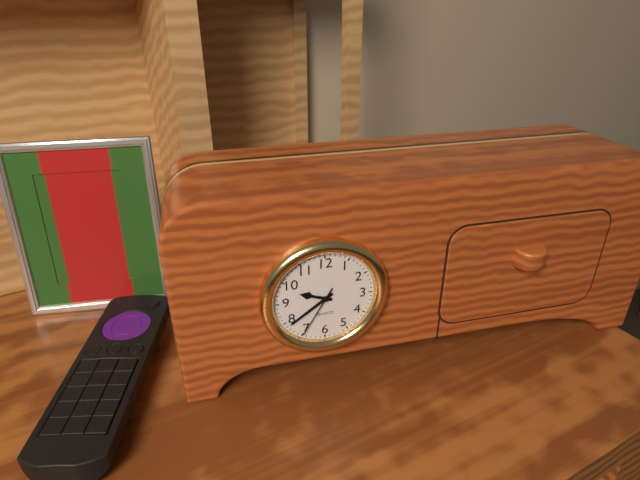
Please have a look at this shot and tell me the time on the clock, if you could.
9:39:35
